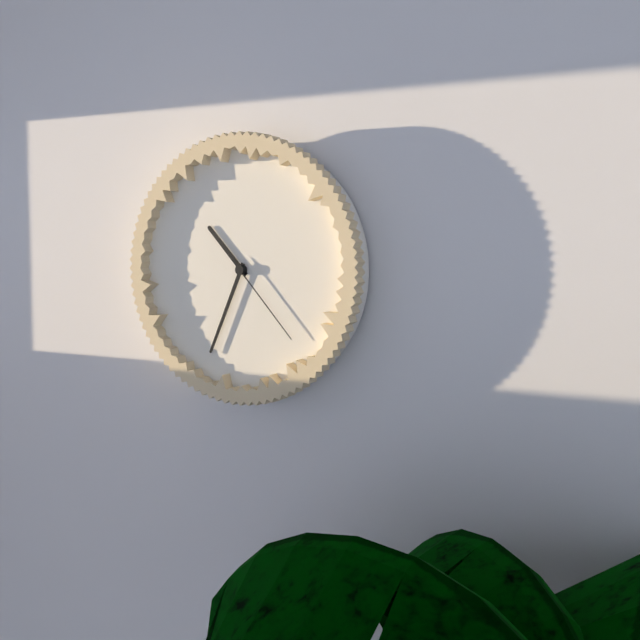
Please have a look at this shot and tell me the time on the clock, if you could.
10:34:23
